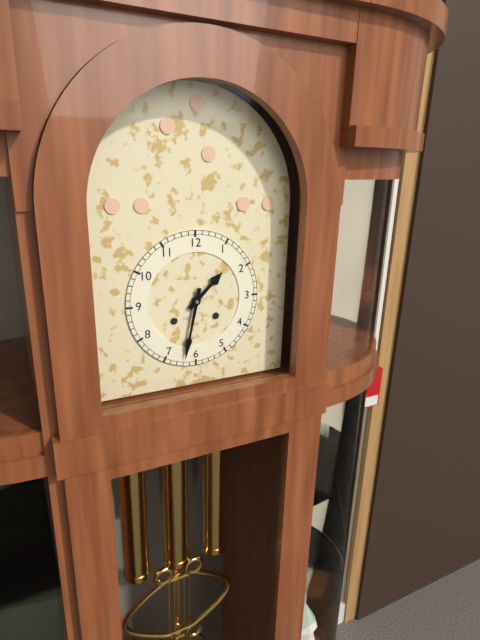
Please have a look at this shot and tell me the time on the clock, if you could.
1:32
